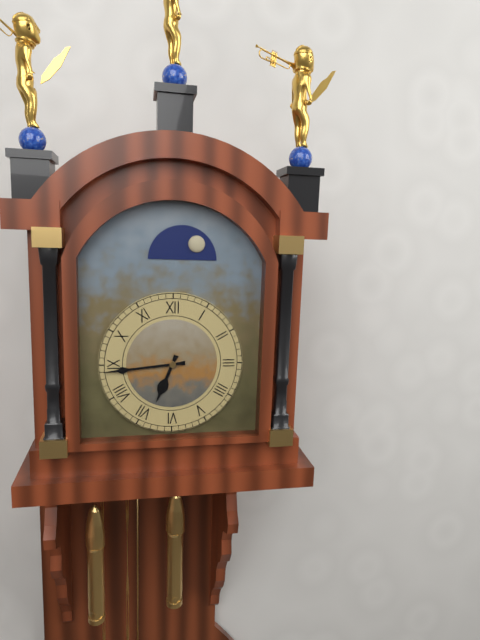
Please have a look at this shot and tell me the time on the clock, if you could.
6:44
